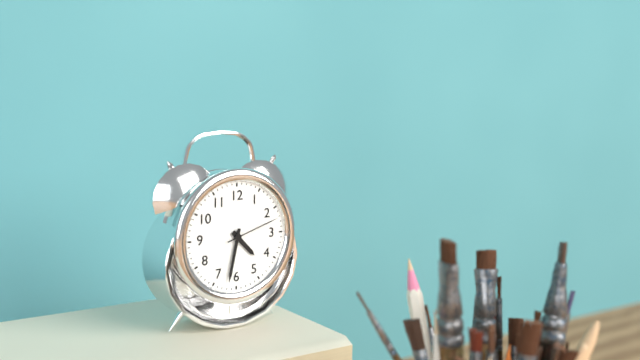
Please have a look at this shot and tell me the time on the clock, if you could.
4:32:12
